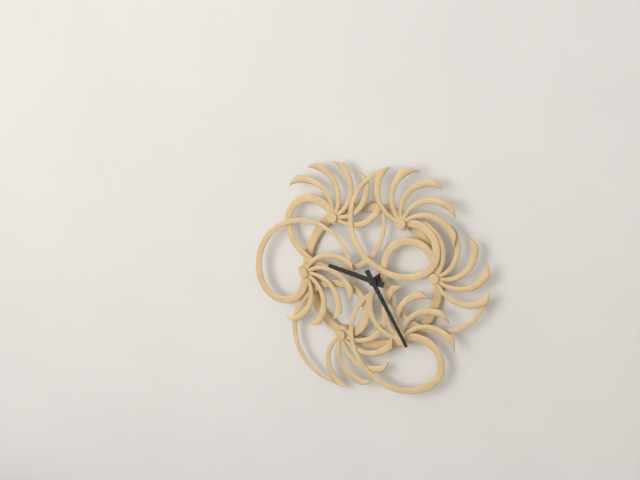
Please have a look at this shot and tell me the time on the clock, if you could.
9:25
